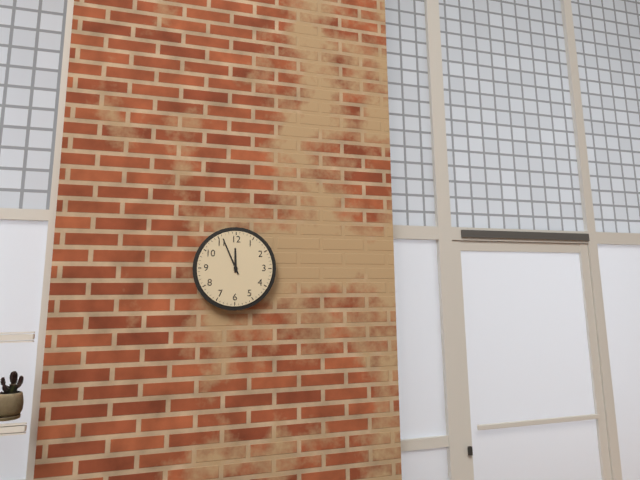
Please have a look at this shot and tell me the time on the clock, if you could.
11:56
